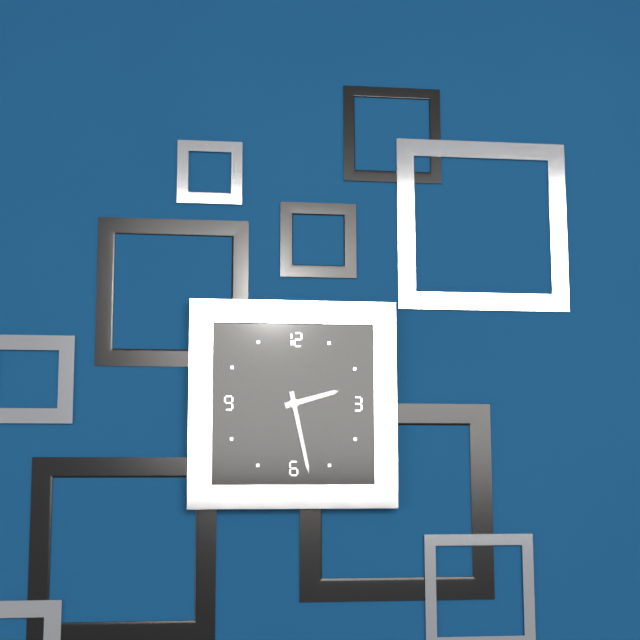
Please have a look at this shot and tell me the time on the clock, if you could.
2:28
